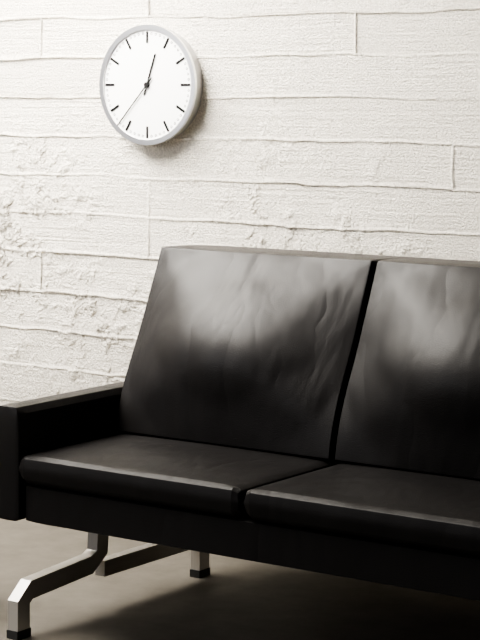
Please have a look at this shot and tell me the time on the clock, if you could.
12:37
